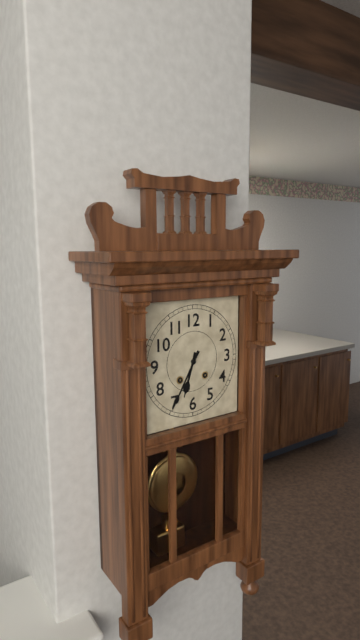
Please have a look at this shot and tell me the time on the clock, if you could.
6:35
